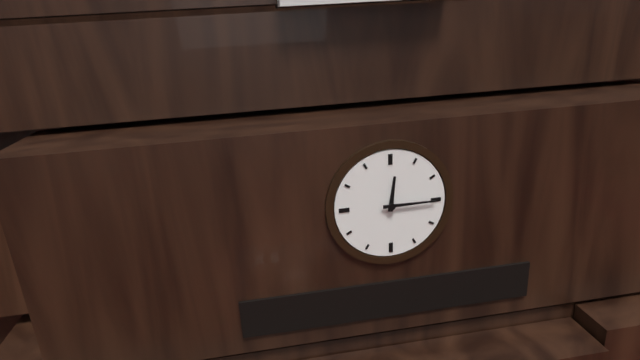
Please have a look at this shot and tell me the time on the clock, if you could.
12:15
